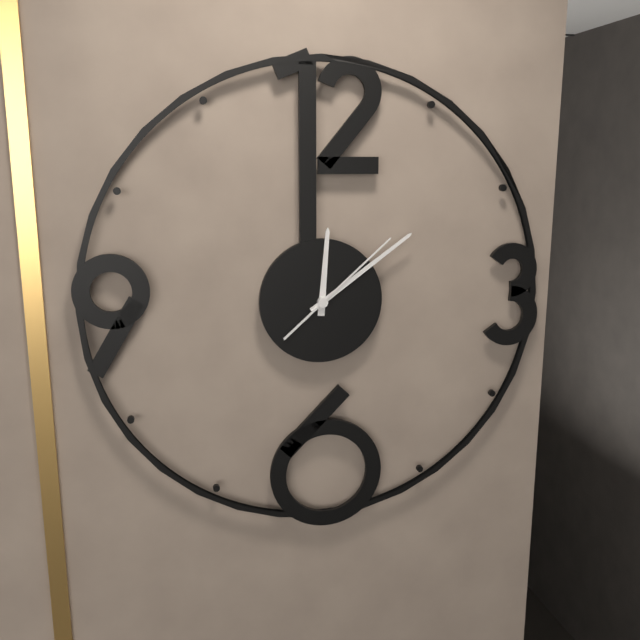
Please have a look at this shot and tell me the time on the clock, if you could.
12:09:08
